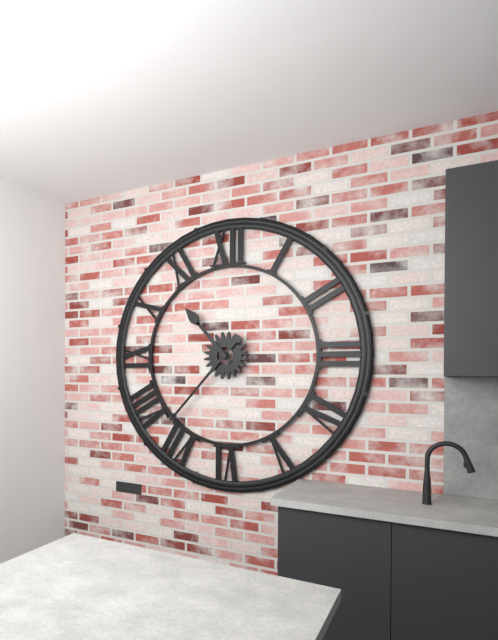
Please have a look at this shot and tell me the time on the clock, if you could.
10:37
